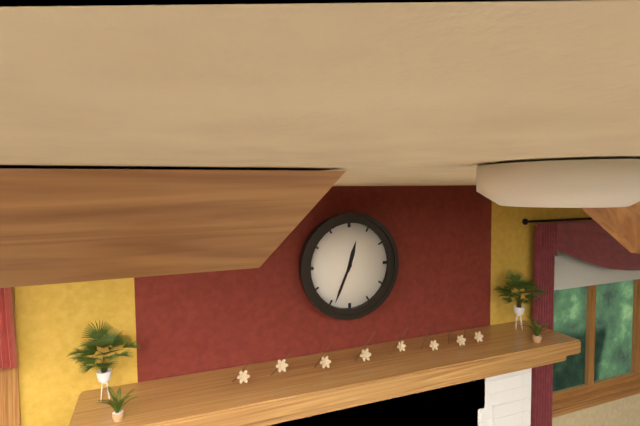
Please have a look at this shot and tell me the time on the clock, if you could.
12:34
